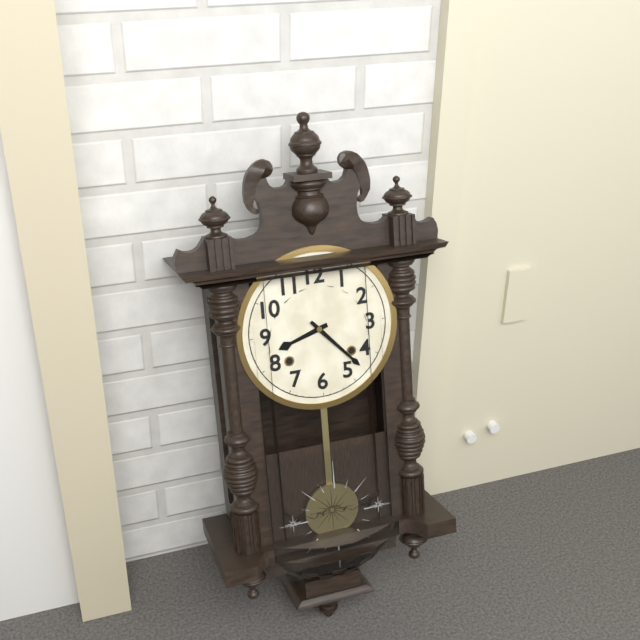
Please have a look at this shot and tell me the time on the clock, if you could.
8:23
